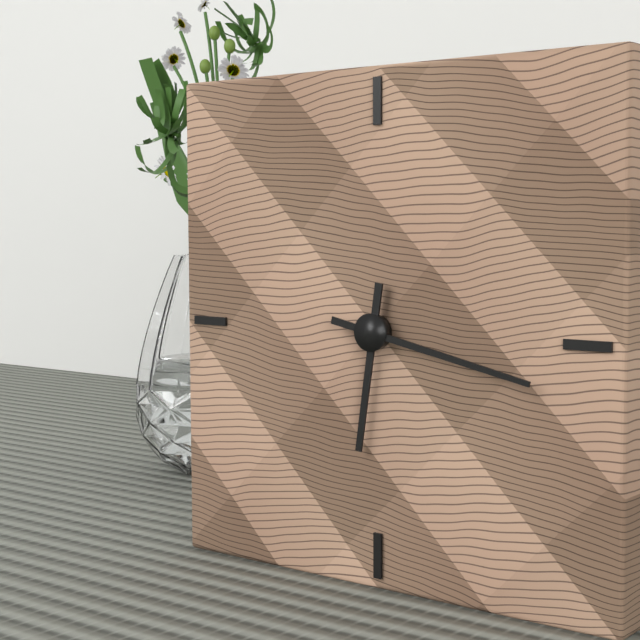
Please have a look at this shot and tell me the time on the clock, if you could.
6:17
